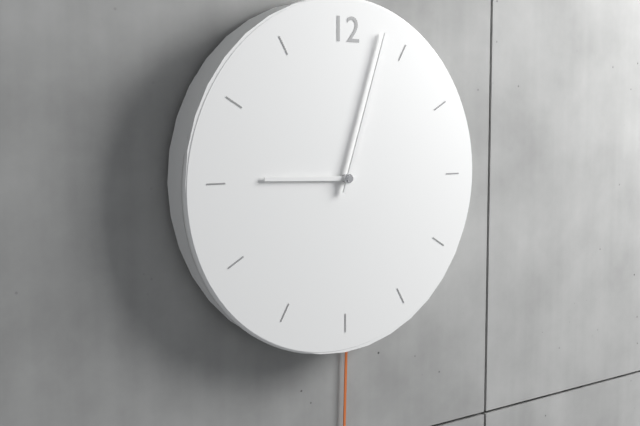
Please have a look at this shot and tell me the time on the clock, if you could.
9:03
